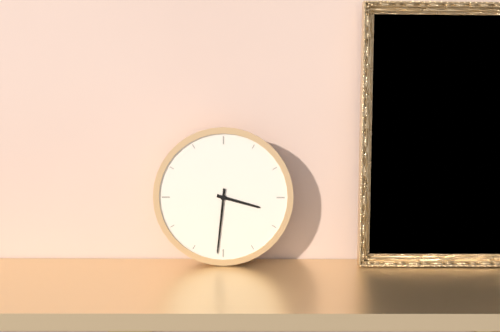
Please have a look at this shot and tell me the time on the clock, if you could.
3:31
